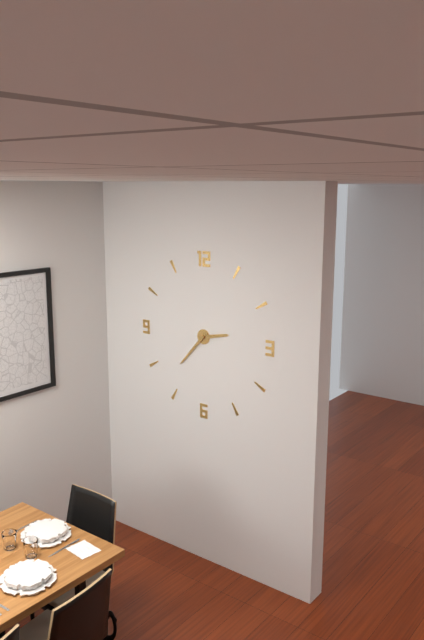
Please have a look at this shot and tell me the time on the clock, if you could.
2:37
